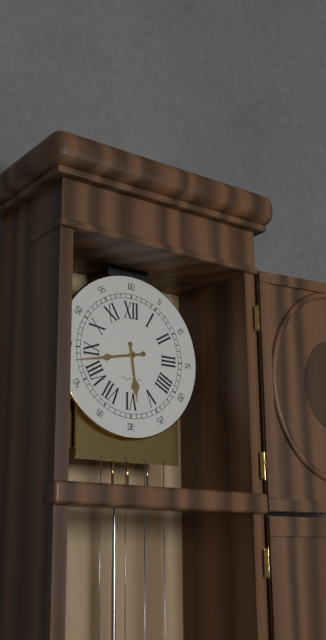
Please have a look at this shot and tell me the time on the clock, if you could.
5:43
